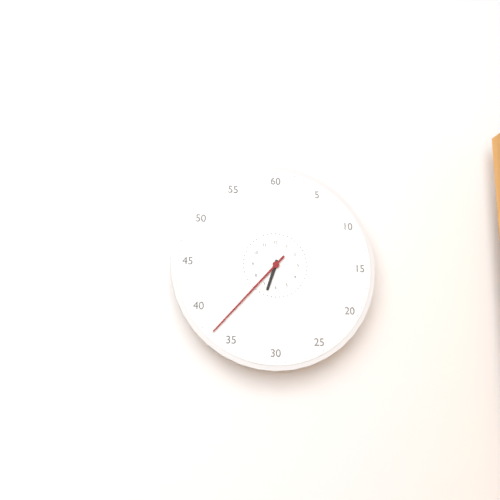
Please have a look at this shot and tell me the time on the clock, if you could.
6:37
